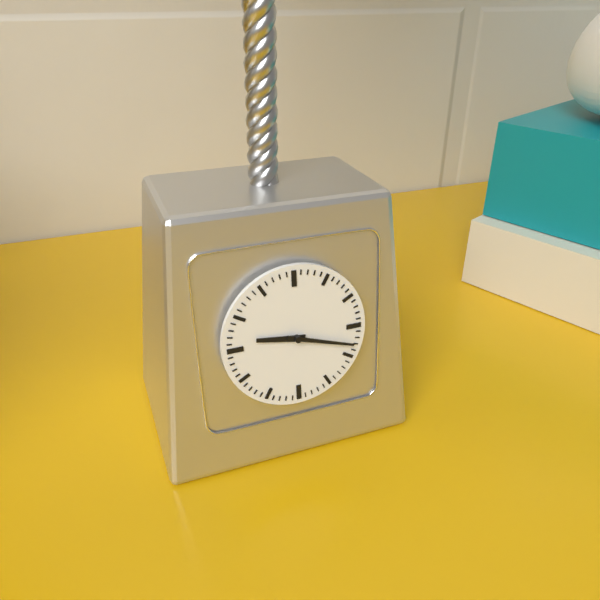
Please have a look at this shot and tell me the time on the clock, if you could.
9:18
